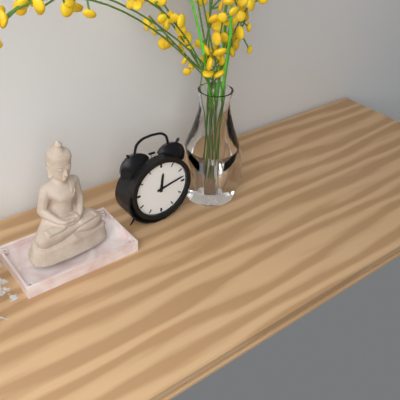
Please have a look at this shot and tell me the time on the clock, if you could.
12:13
